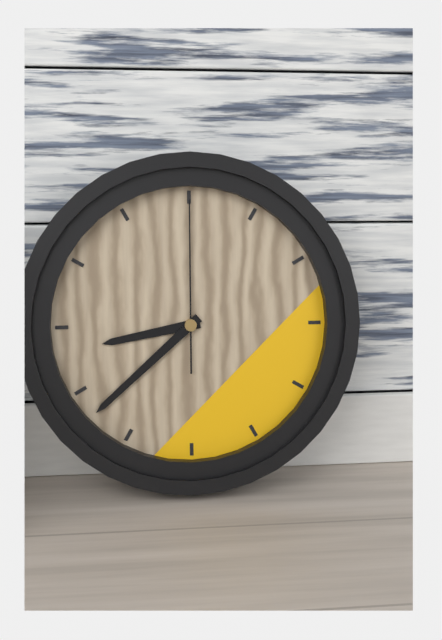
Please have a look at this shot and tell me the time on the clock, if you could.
8:38:00
